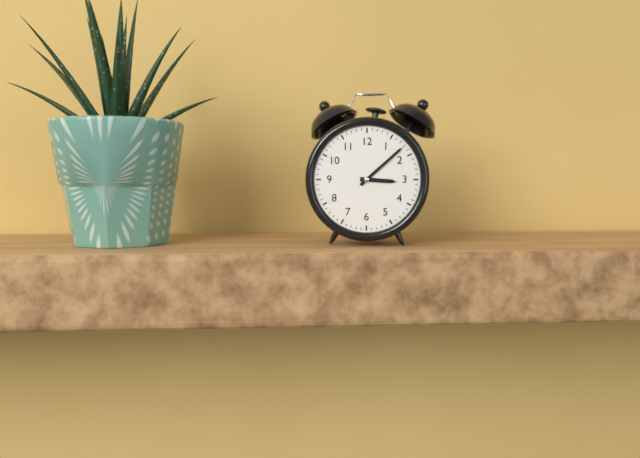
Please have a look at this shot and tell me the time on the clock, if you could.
3:08
